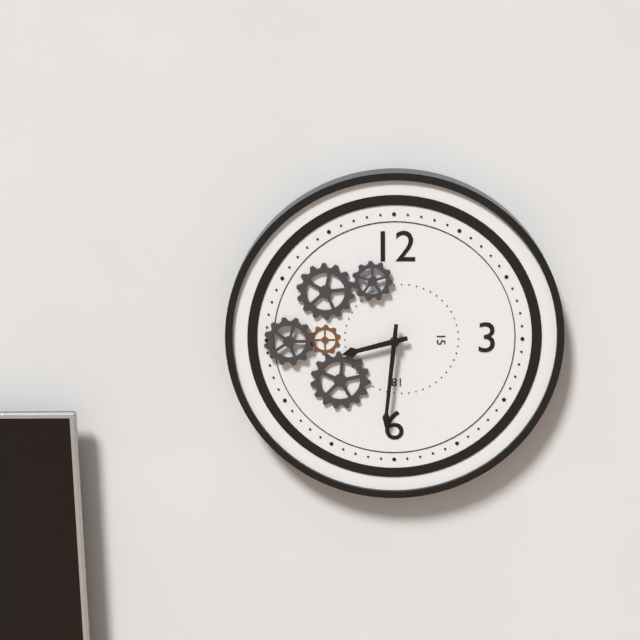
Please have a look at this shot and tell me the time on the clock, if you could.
8:31
